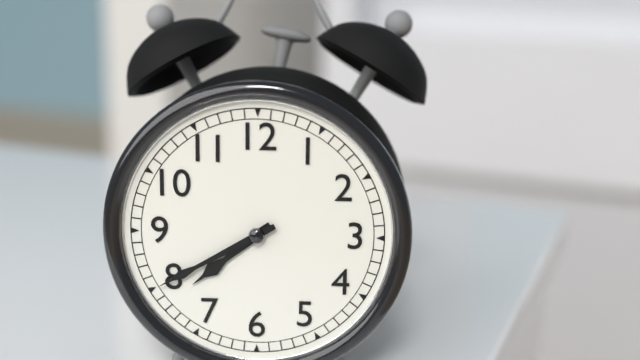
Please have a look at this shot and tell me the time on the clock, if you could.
7:40
